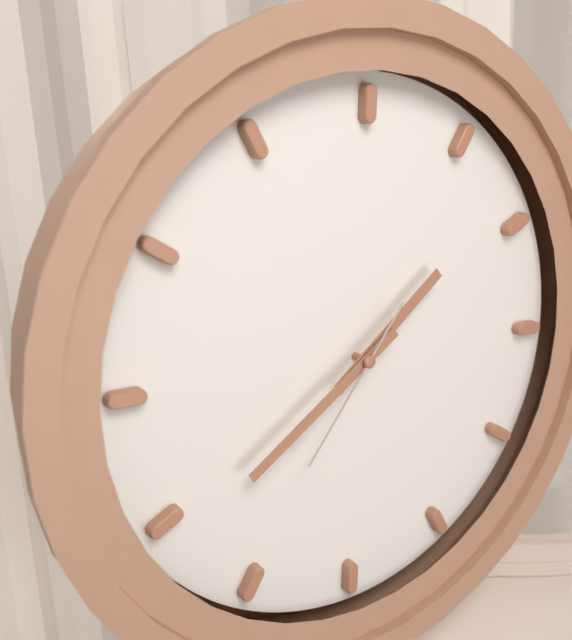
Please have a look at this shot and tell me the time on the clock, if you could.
1:39:36
